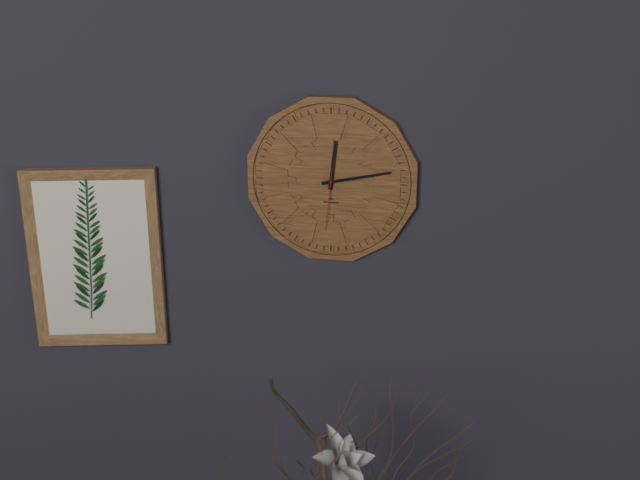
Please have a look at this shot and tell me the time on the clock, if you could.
12:13:31
